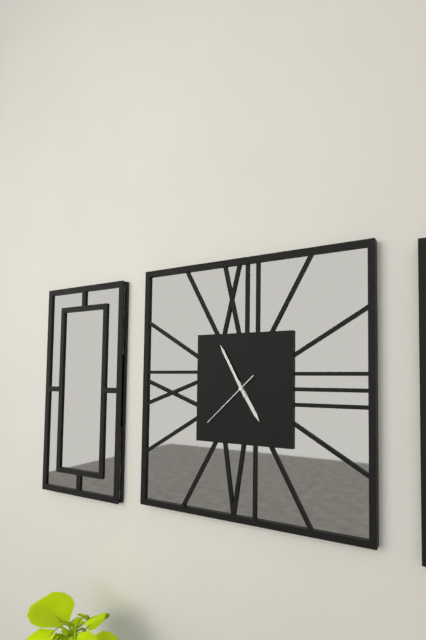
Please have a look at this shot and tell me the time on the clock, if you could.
4:55:38
